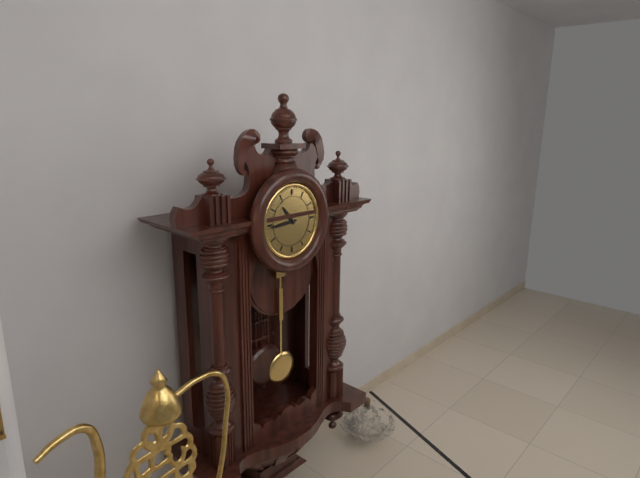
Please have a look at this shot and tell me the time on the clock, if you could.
10:44
